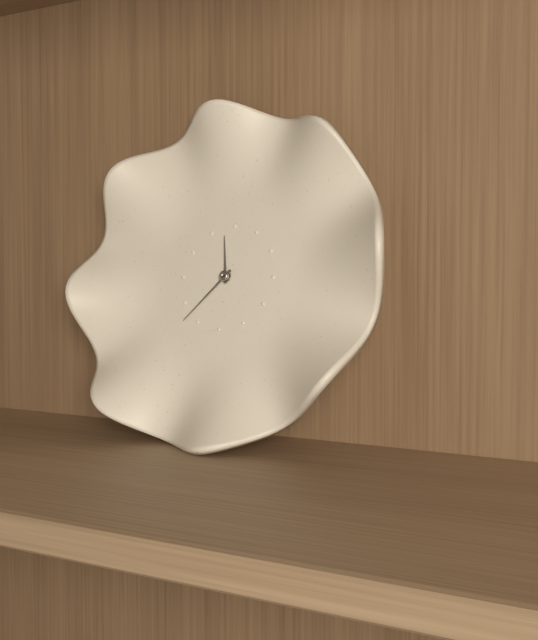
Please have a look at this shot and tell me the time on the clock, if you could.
11:37
